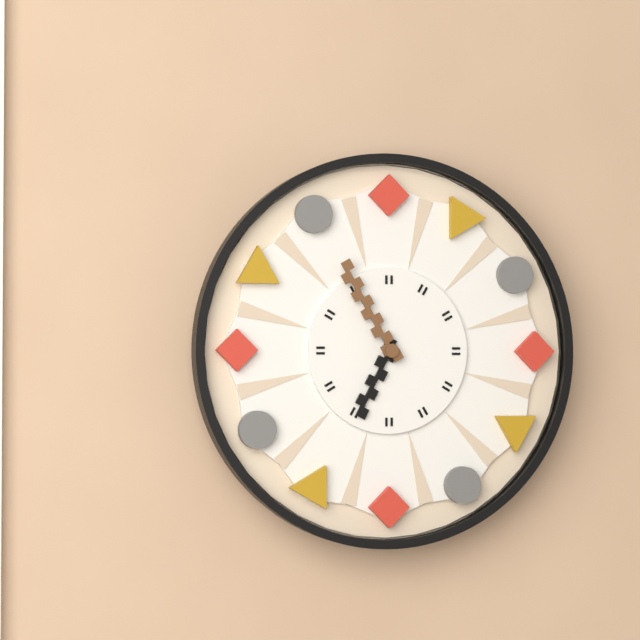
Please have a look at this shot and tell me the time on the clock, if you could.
6:55
